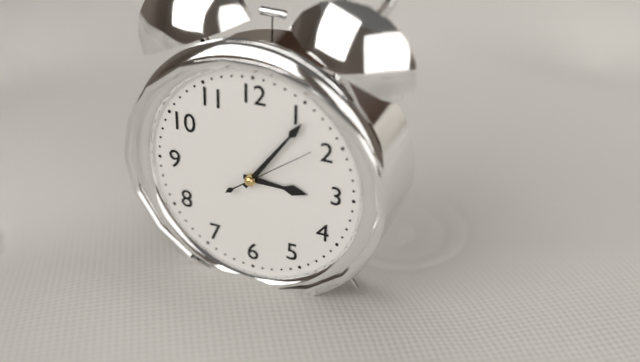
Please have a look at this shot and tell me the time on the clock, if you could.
3:06:09
